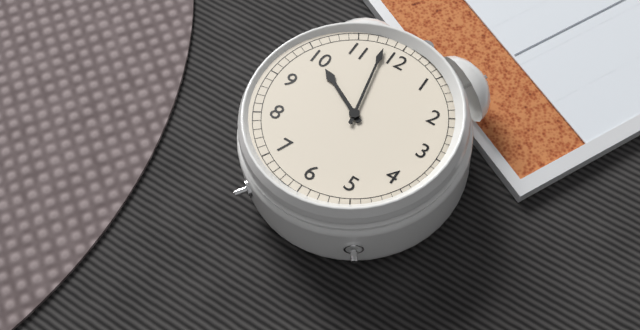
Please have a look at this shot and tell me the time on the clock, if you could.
9:58
